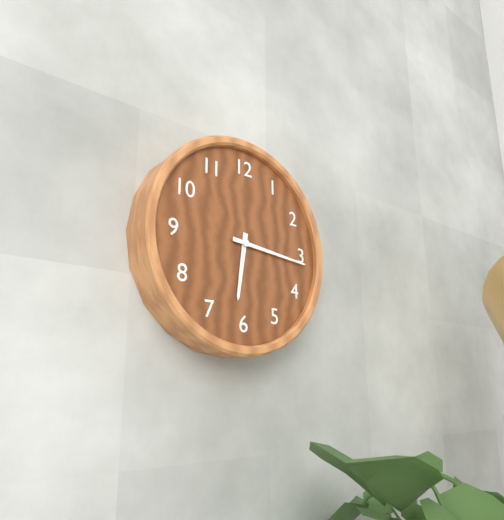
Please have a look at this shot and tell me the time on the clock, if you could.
6:16
